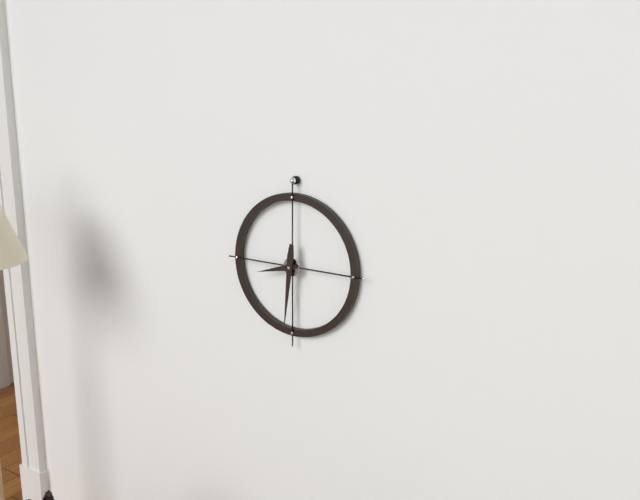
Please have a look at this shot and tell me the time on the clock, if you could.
8:31
